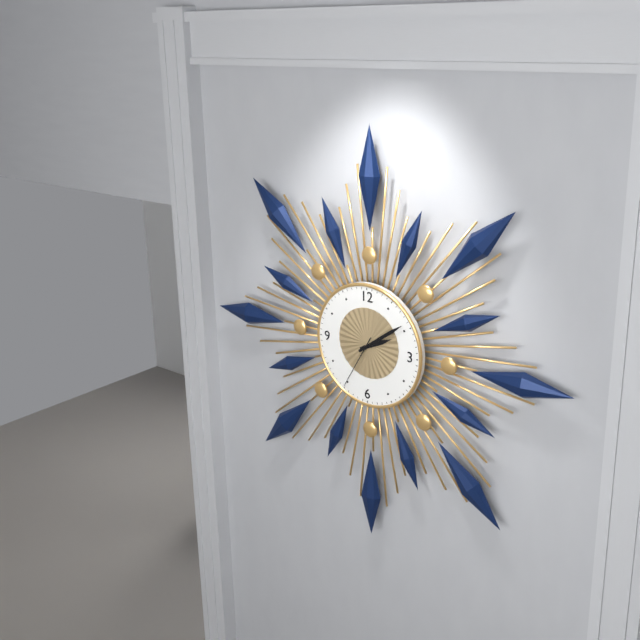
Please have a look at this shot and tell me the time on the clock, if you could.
2:09:35
